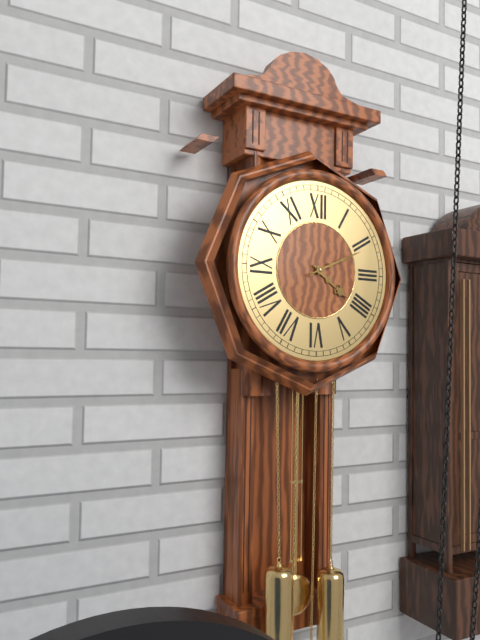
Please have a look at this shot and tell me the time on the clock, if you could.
4:11
